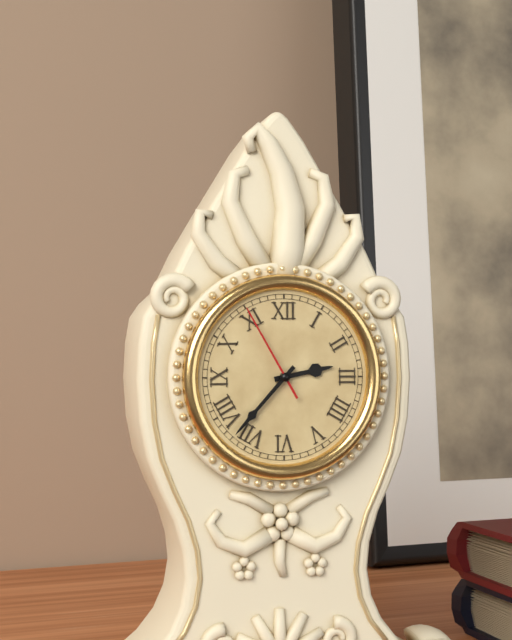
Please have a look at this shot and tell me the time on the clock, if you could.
2:37:55
